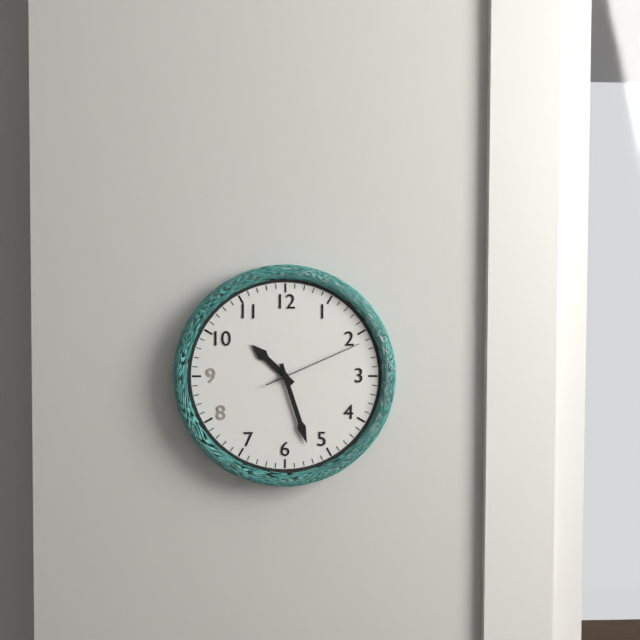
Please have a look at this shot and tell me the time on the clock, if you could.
10:27:11
